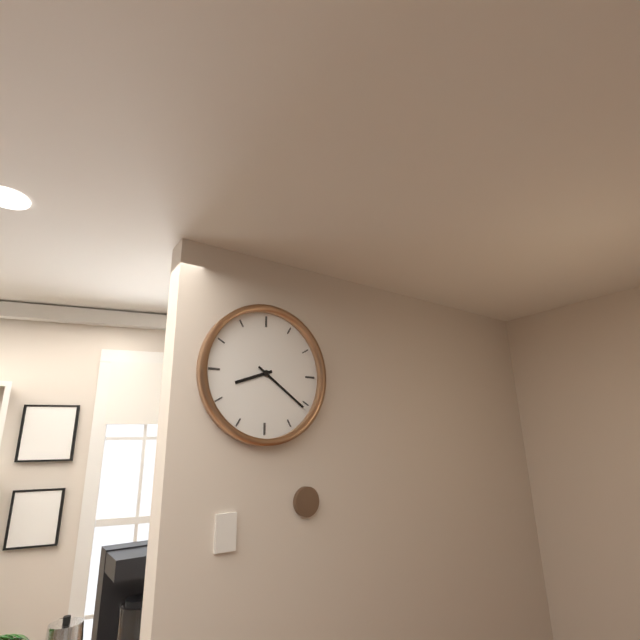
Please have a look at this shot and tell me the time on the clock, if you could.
8:21
